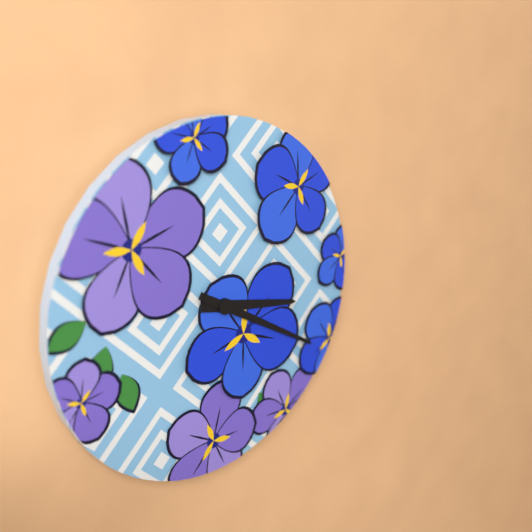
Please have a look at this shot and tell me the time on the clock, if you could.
3:20
